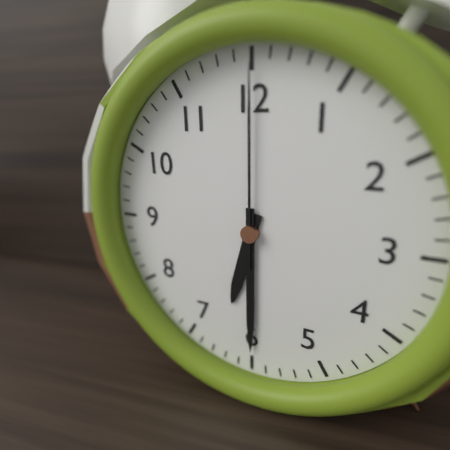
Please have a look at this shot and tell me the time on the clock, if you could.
6:30:00
